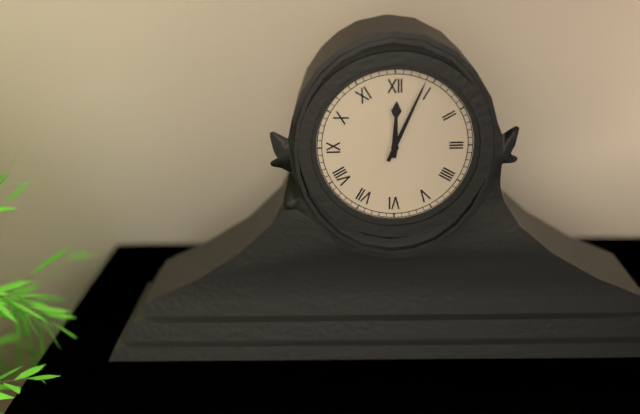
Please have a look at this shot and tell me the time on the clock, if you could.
12:04
